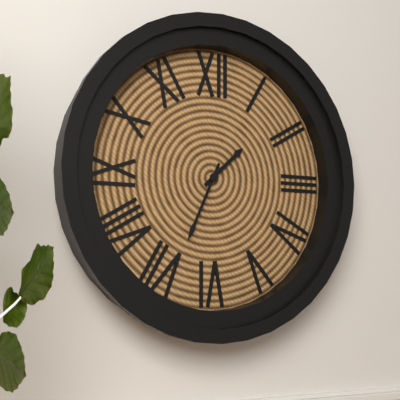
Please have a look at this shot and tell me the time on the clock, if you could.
1:34
